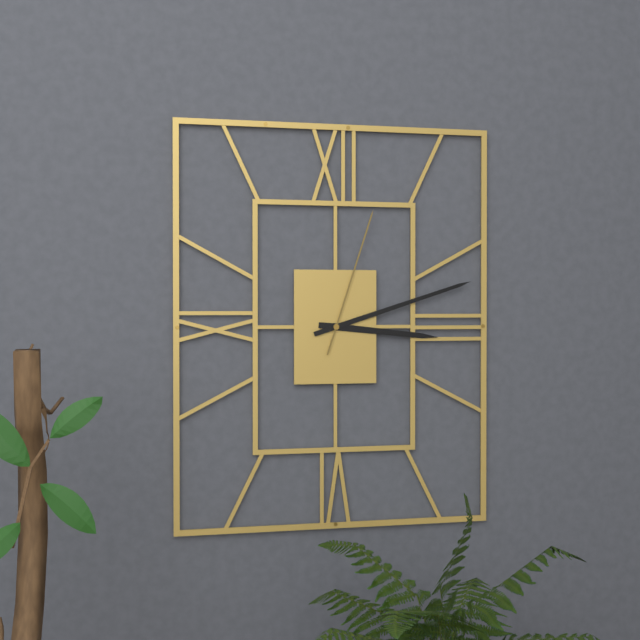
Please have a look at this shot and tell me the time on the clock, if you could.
3:12:03
